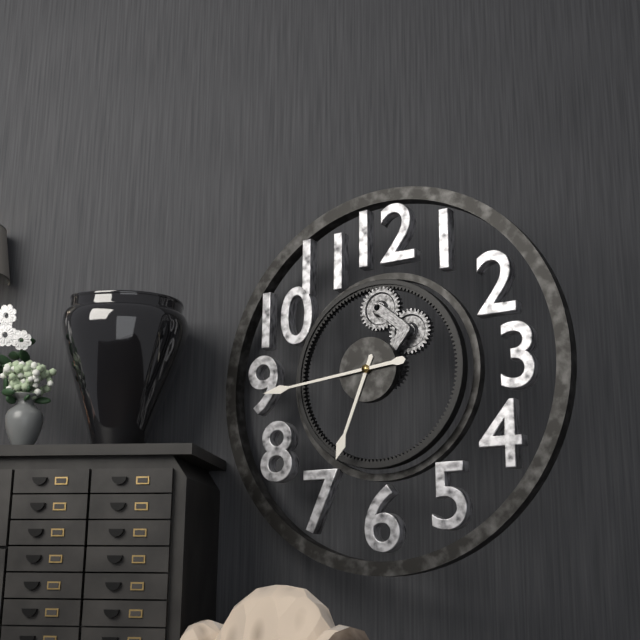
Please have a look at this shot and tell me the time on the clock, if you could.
6:44
